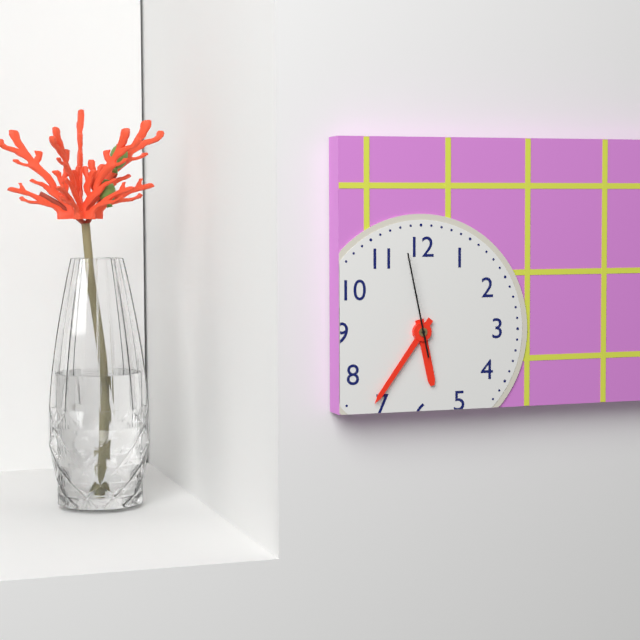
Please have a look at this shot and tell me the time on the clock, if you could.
5:36:58
